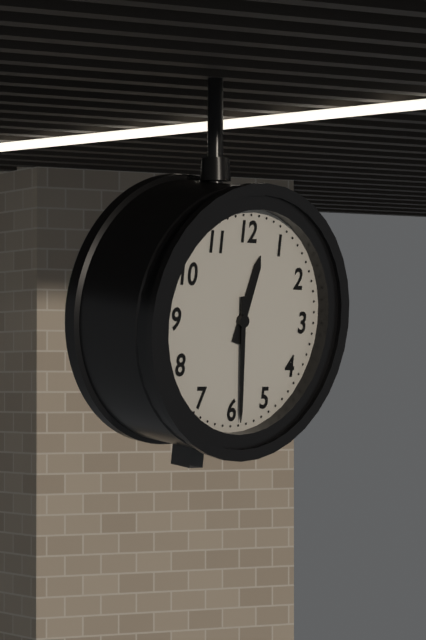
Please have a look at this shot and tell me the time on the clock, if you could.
12:29
